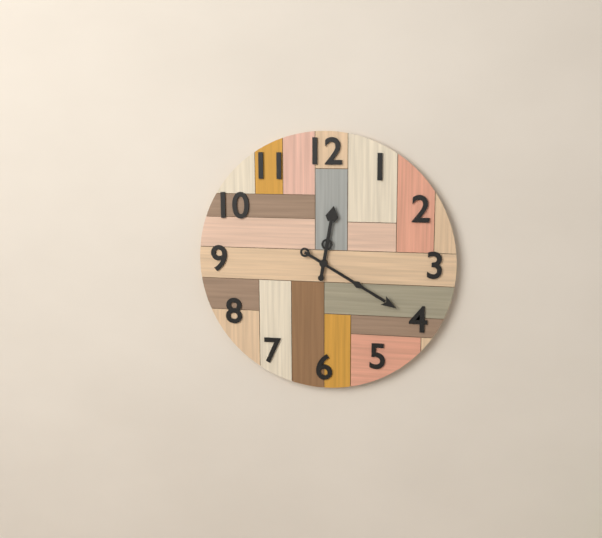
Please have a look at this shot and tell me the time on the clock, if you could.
12:20
